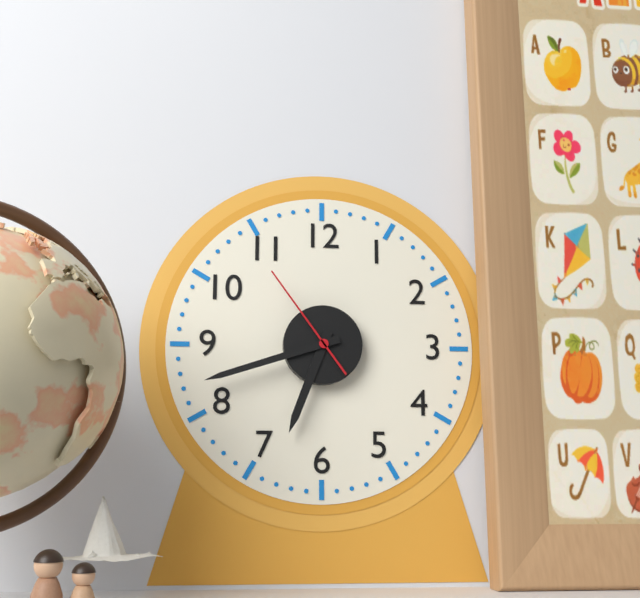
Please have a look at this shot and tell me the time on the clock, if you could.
6:42:54
